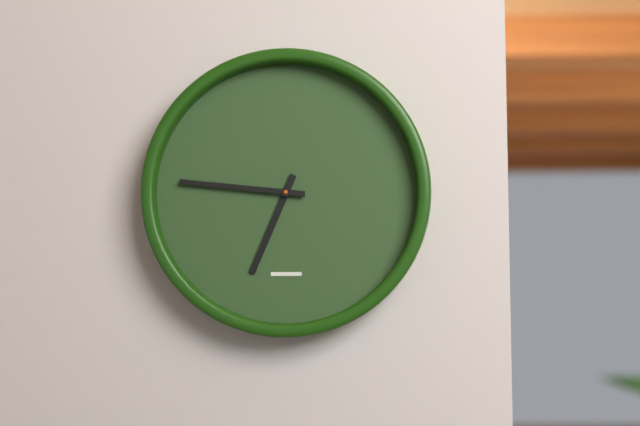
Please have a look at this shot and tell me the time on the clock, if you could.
6:46
